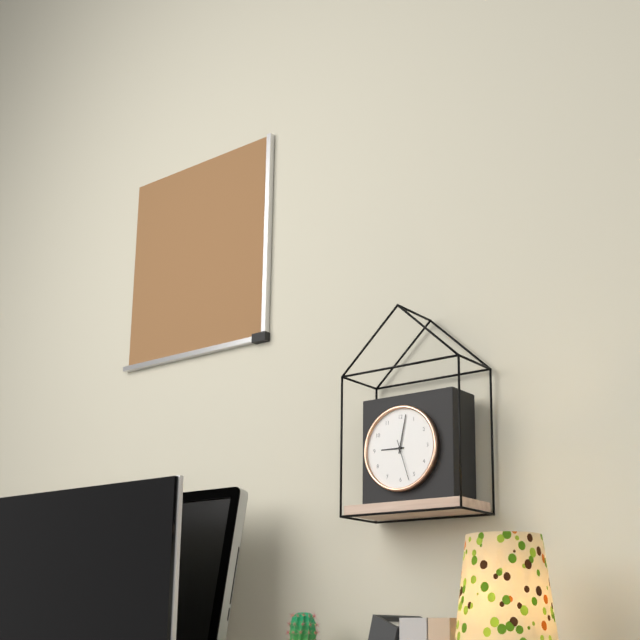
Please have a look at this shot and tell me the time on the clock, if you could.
9:02
